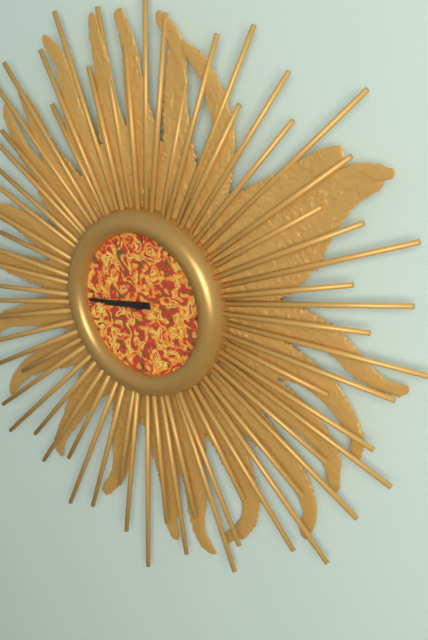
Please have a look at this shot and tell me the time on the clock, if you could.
8:44
